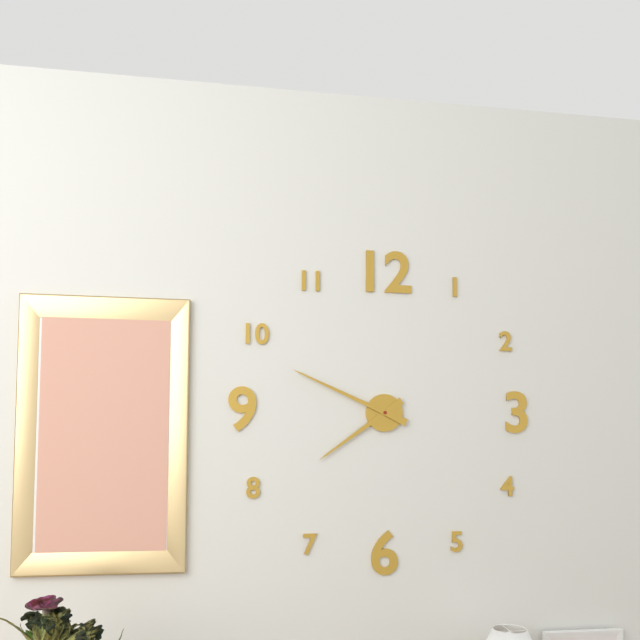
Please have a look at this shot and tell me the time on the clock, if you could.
7:49
